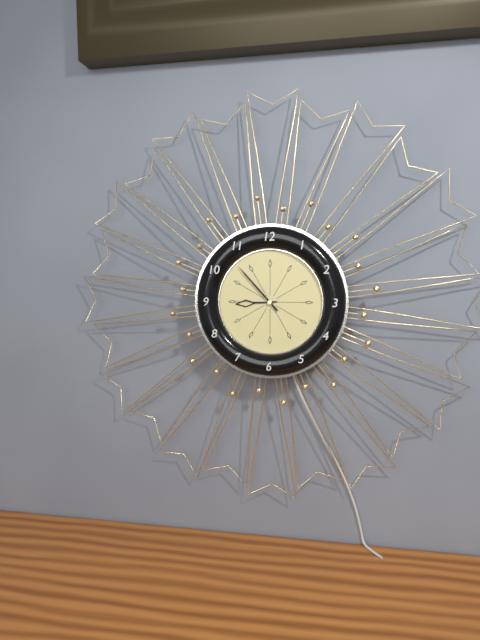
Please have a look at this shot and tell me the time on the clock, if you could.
8:53
